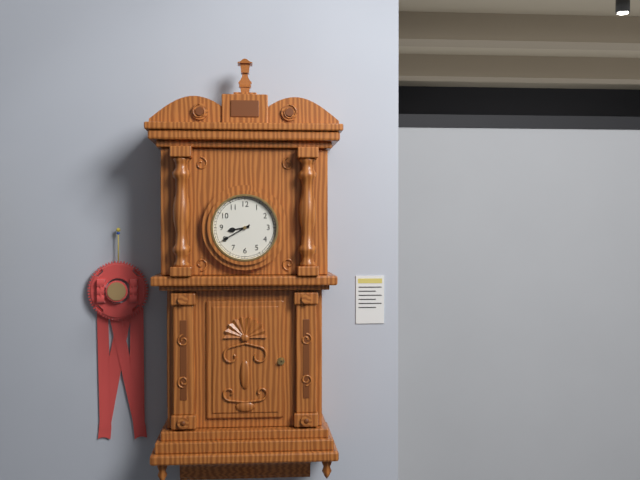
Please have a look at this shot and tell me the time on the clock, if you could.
8:40
